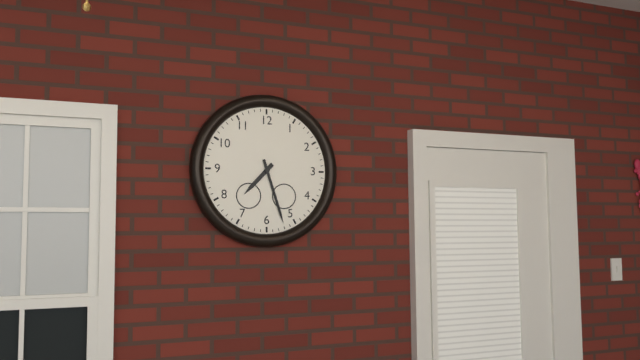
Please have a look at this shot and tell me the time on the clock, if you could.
7:27
